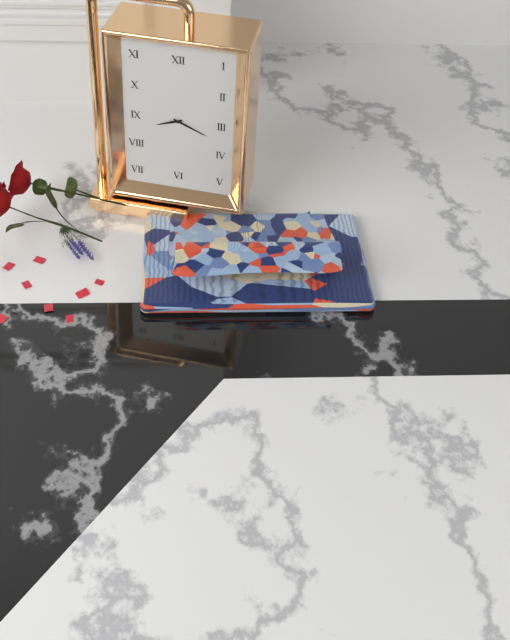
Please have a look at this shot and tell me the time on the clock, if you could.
8:19
